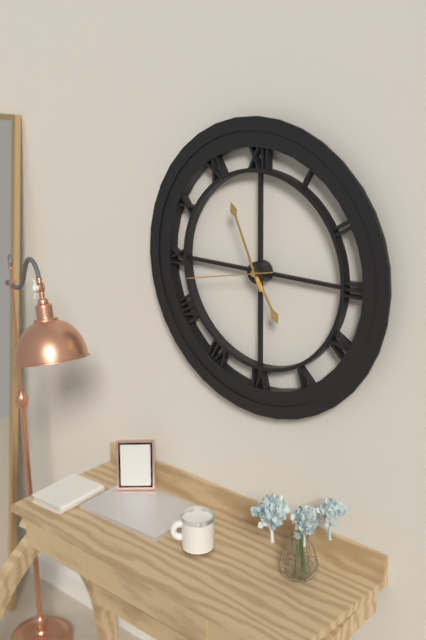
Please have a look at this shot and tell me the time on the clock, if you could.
4:56:43
